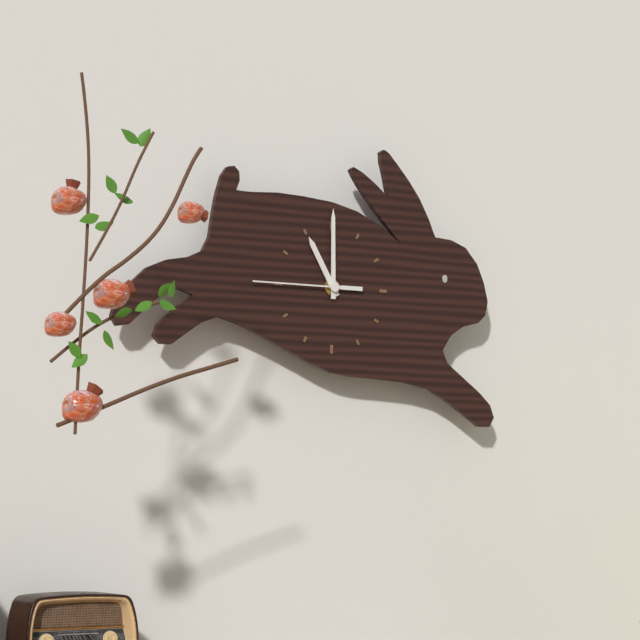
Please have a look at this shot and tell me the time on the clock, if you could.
11:00:45
